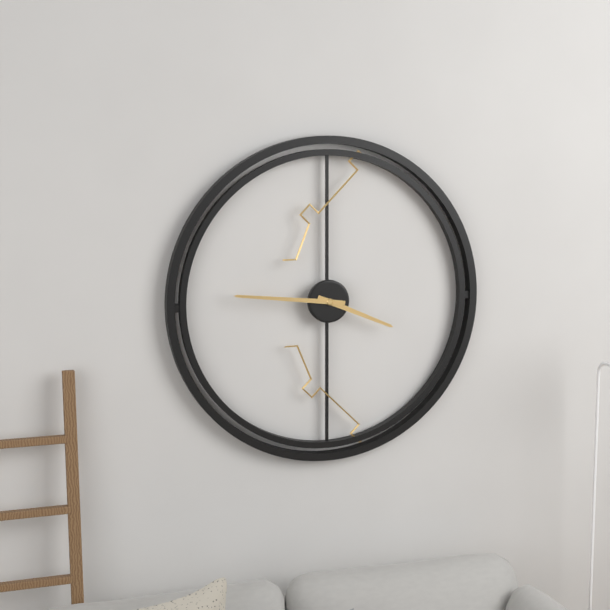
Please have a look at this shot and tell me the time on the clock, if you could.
3:46
